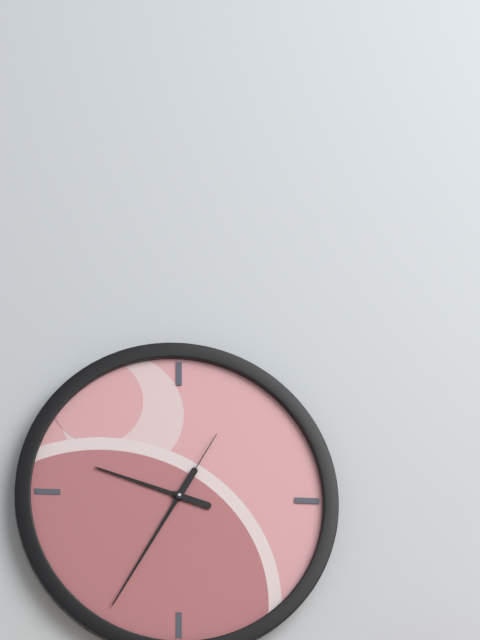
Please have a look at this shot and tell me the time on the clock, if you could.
9:35:05
